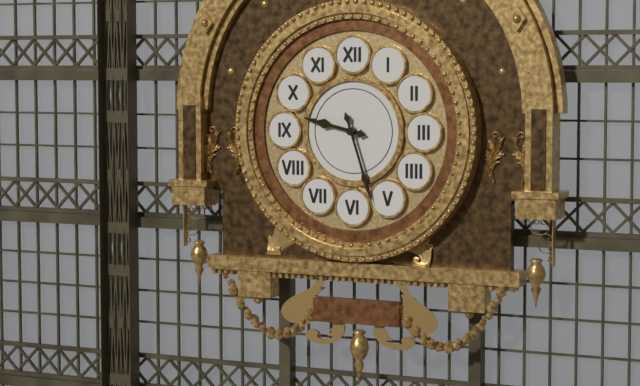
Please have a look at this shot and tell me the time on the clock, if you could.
9:27
